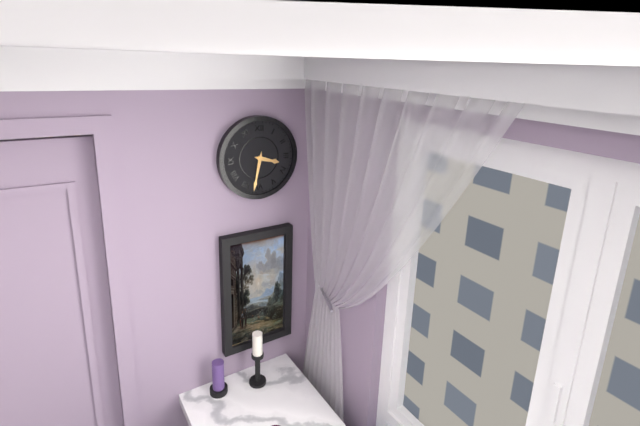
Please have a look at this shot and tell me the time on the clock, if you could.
3:32
